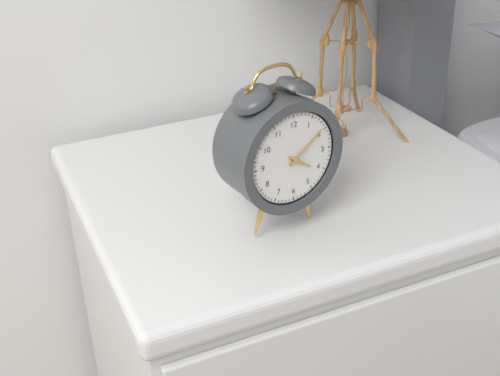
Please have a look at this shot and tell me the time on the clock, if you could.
4:09
